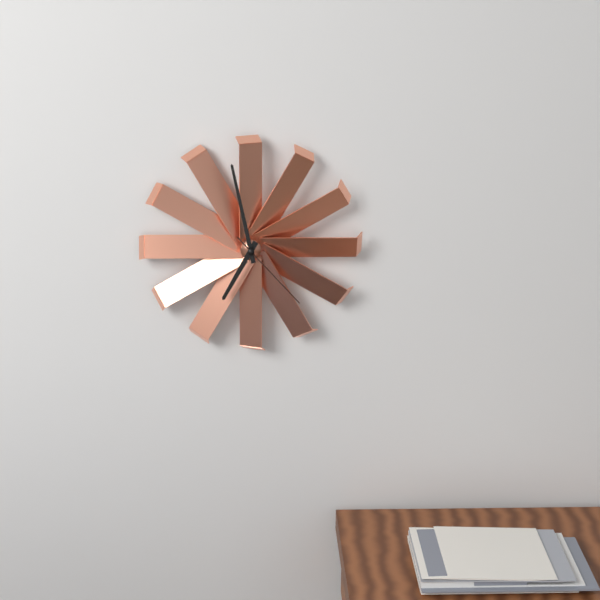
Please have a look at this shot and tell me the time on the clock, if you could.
6:58:23
